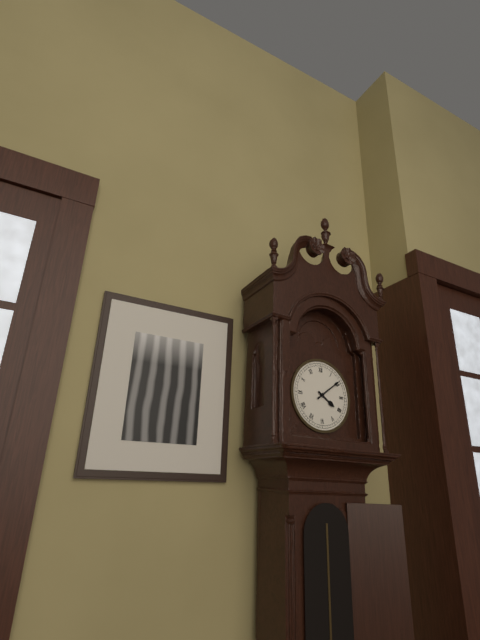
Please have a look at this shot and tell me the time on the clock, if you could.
4:09
